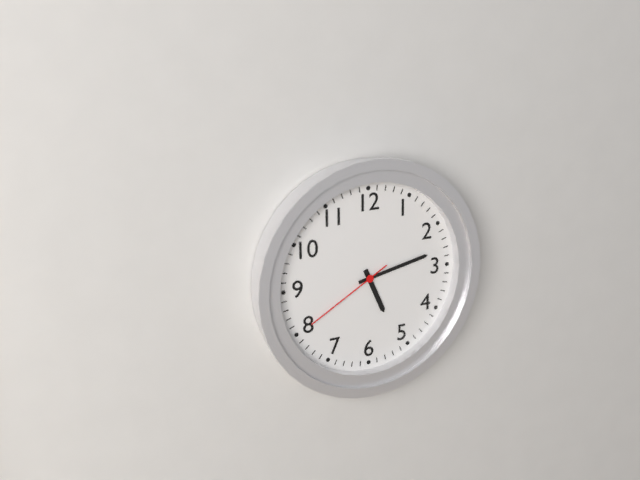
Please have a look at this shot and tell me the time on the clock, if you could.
5:13:40
